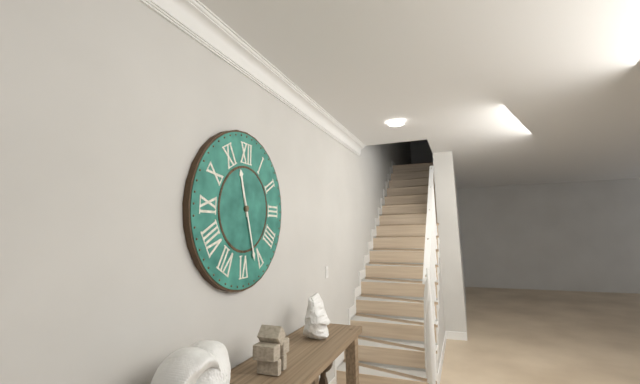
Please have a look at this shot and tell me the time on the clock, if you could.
11:27
